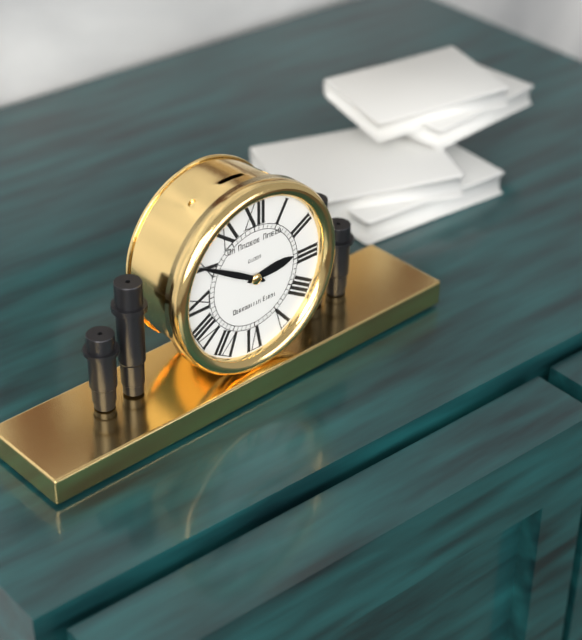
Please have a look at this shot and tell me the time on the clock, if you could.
2:50
